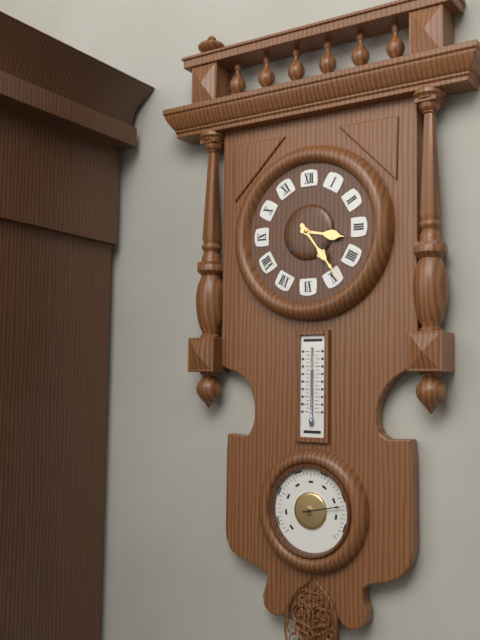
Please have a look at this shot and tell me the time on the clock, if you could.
3:24
